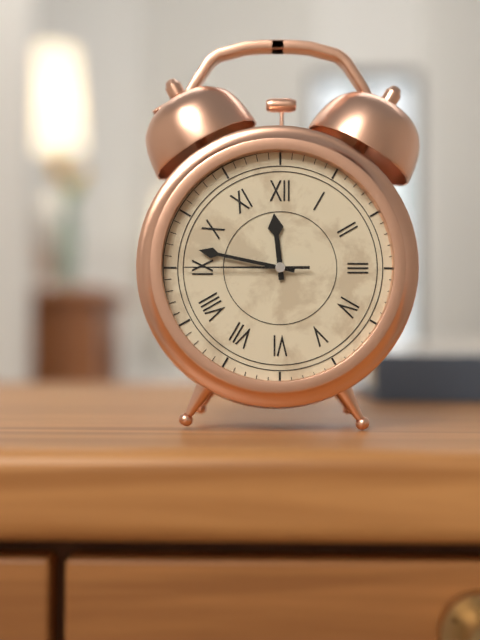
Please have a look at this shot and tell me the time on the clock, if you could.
11:47:45
